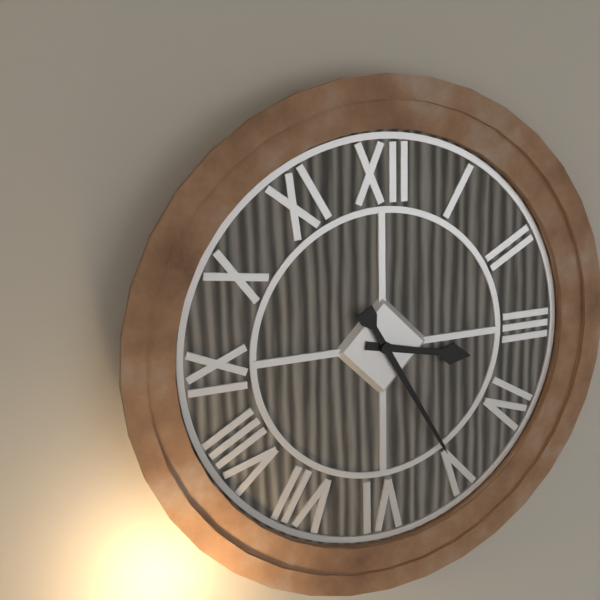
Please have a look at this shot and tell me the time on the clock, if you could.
3:25
